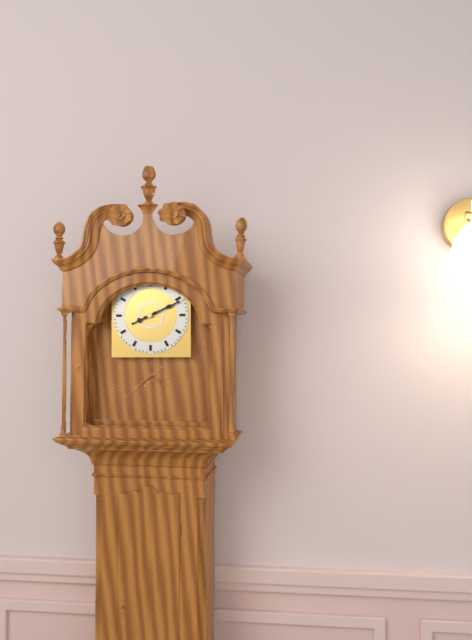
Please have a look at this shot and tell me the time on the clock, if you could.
8:11
